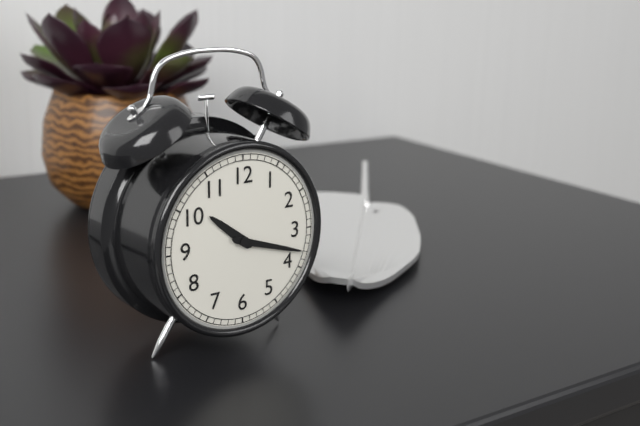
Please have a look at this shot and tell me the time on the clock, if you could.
10:18
